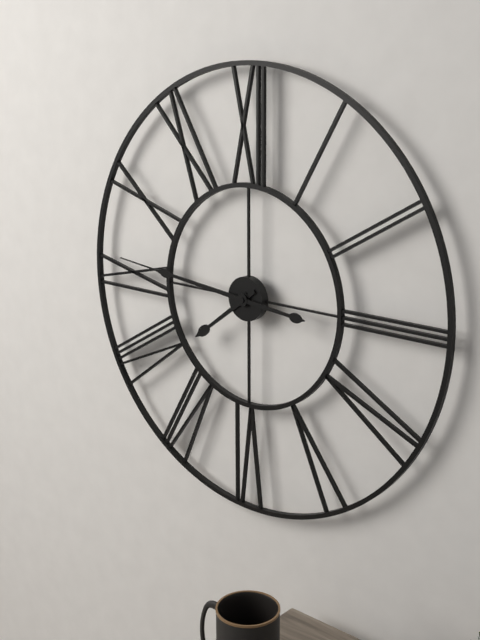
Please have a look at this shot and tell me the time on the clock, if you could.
7:46
